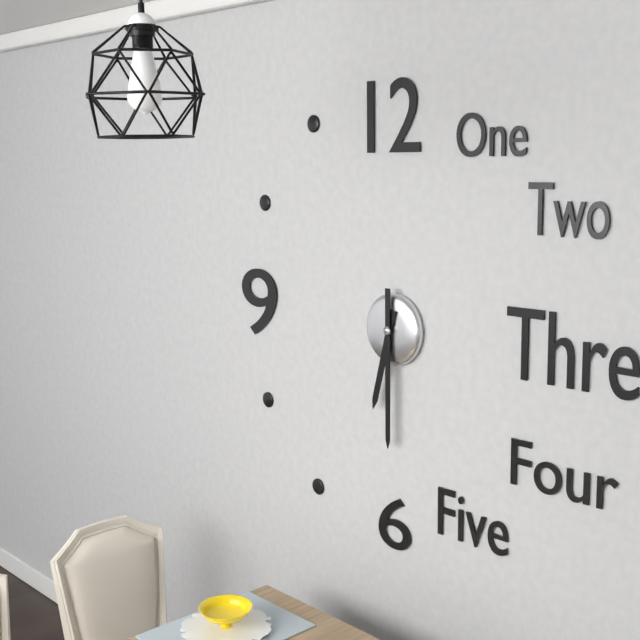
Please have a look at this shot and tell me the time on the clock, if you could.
6:30
